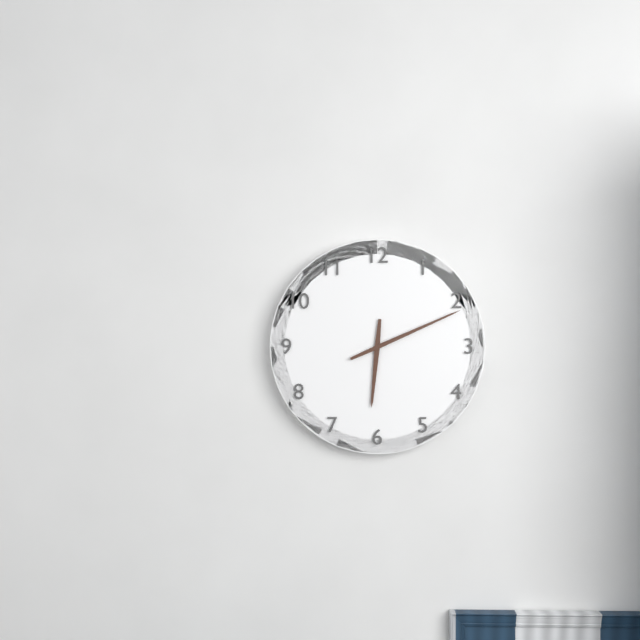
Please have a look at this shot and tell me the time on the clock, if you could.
6:11
